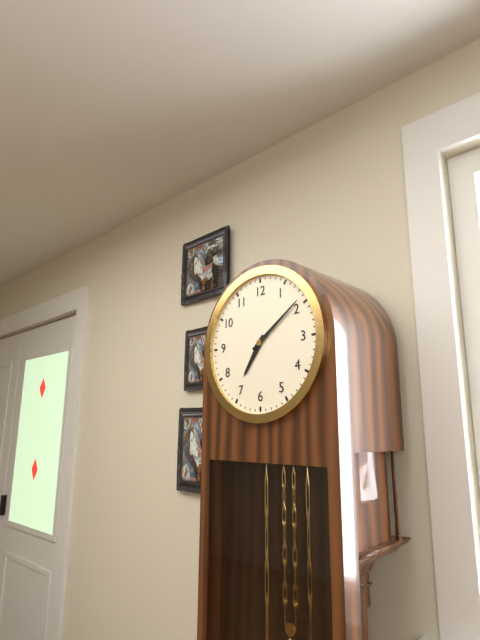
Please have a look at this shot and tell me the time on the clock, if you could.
7:09
